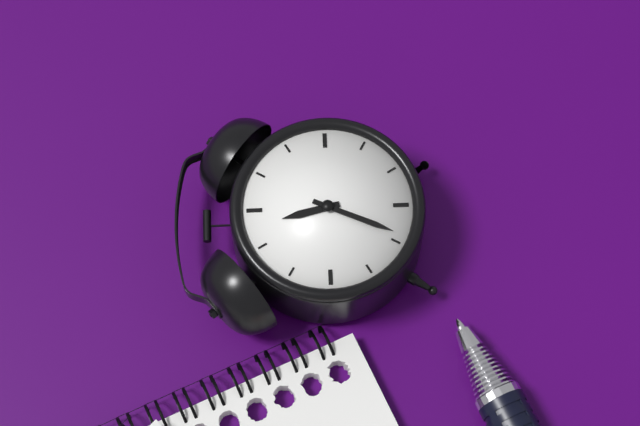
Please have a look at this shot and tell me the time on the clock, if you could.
11:34
